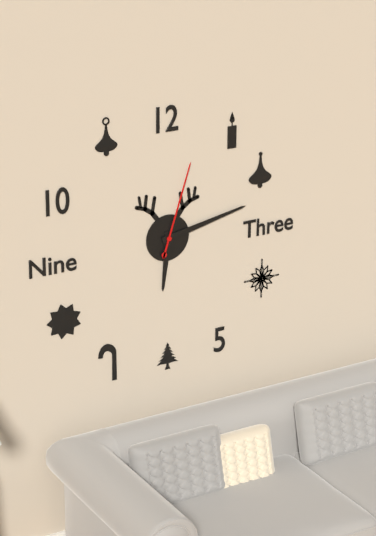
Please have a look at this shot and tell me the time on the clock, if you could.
6:13:03
